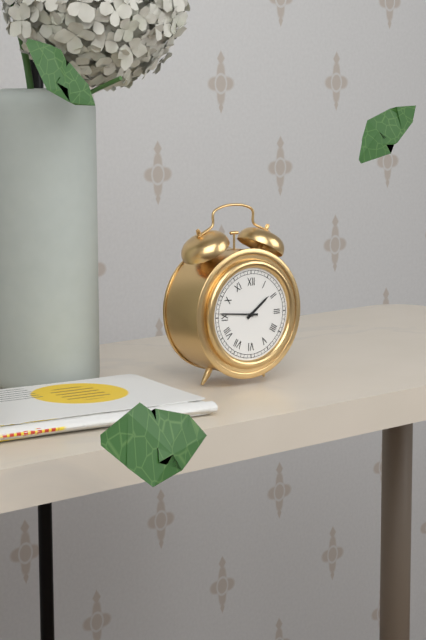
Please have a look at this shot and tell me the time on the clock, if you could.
1:46
